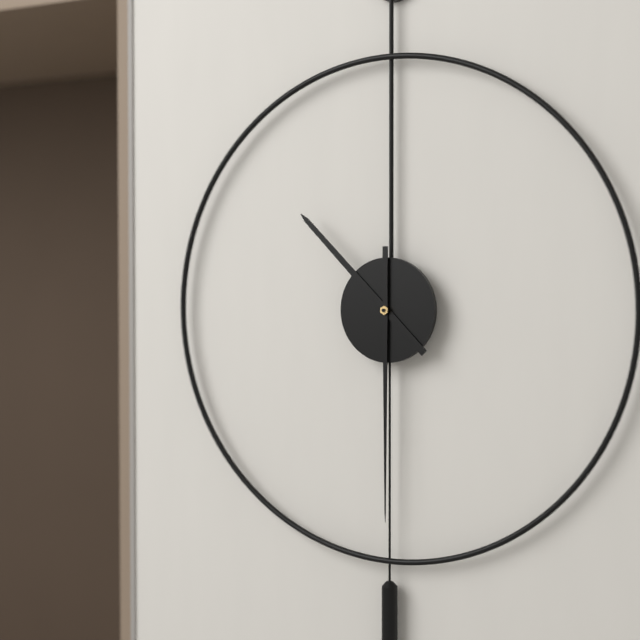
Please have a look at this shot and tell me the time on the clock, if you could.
10:30
